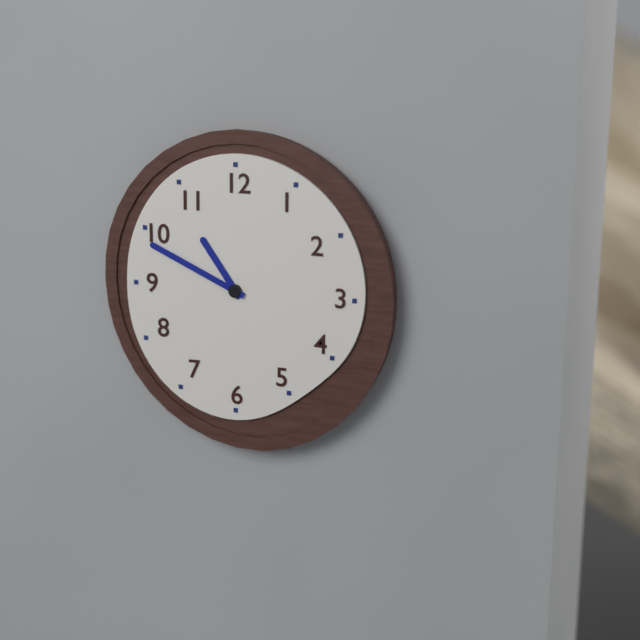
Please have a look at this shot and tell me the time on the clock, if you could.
10:49
